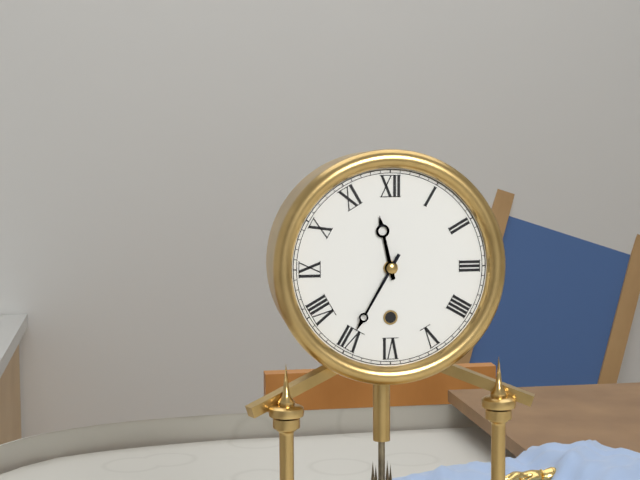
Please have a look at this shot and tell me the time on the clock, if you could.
11:35
